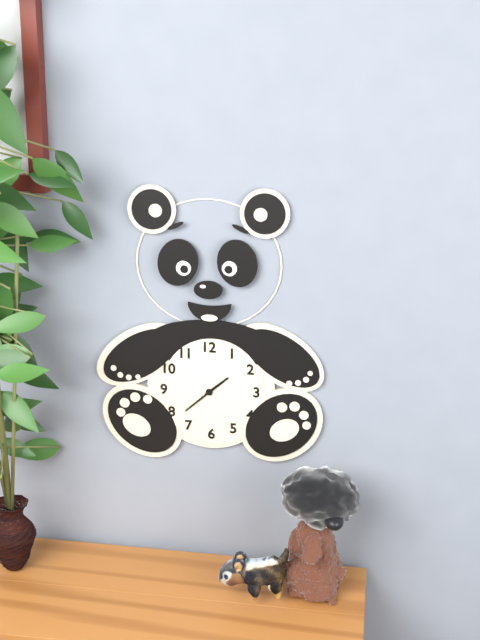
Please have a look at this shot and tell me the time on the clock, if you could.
1:38
